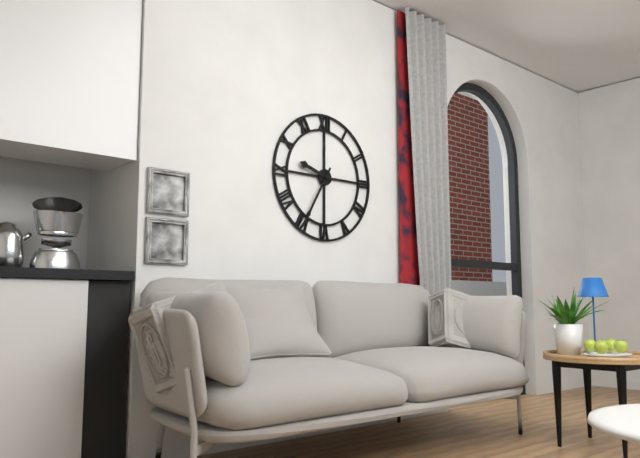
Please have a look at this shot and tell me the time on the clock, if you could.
9:35
